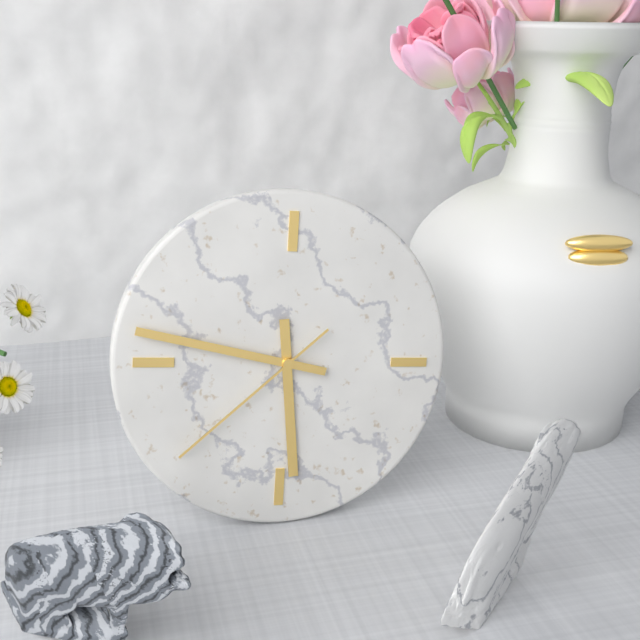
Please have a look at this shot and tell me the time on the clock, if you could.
5:47:38
